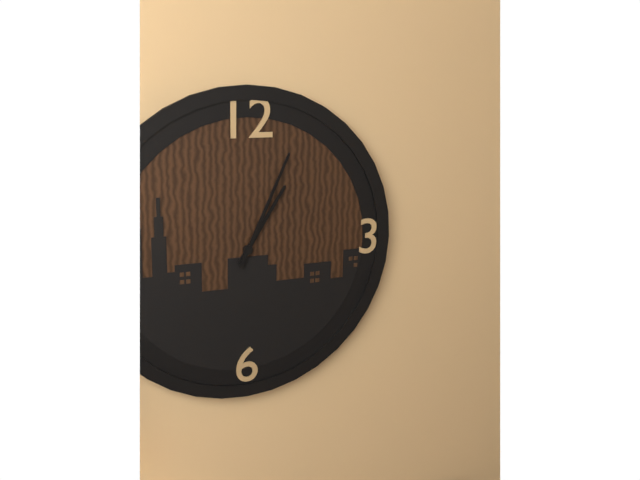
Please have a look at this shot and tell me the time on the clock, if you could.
1:04
